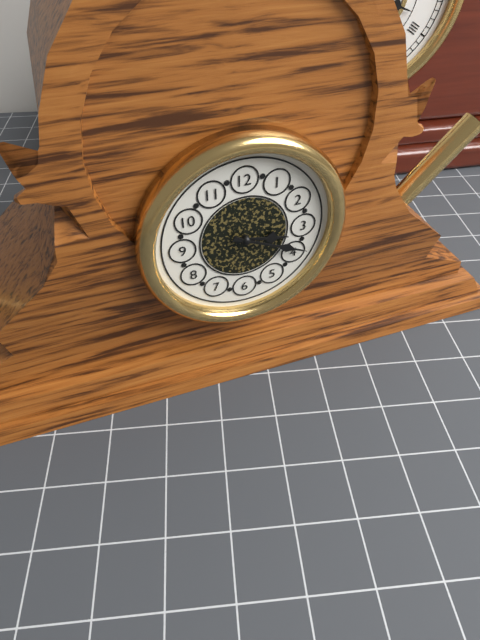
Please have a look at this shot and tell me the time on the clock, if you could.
3:19
